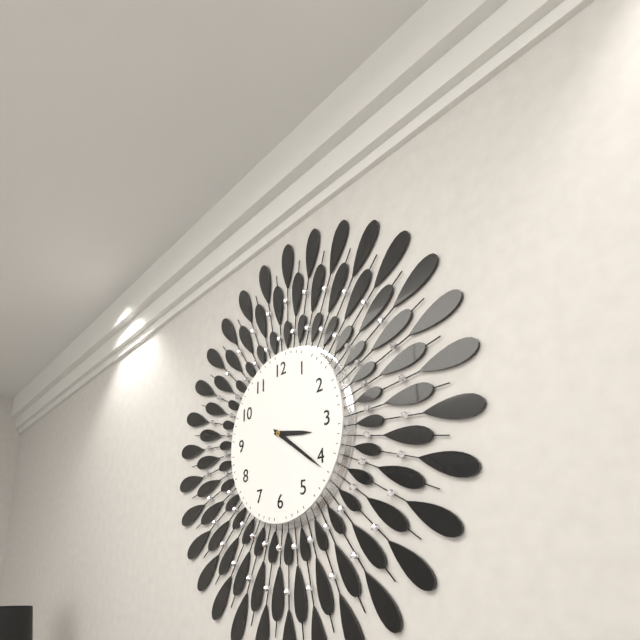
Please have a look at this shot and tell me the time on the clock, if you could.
3:21
